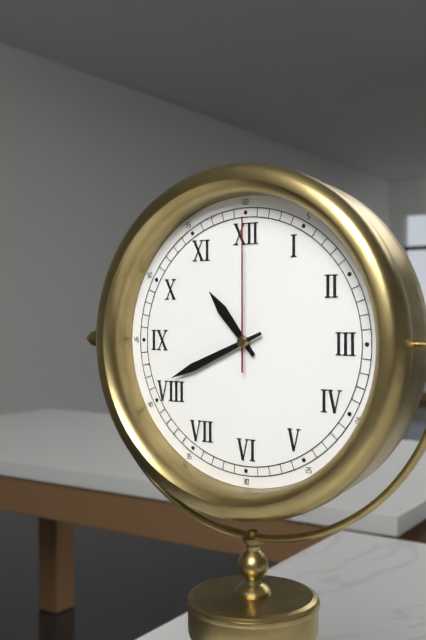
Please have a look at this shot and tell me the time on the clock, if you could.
10:41:00
